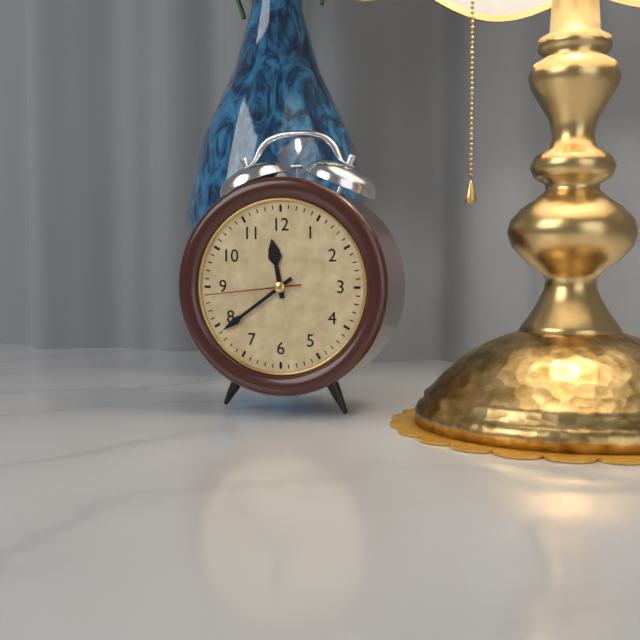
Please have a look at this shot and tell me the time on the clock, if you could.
11:39:44
